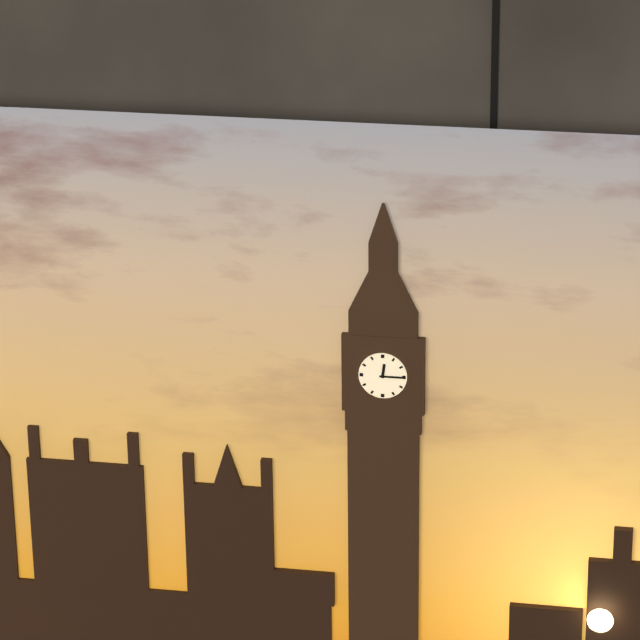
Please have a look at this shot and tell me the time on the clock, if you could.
12:15
